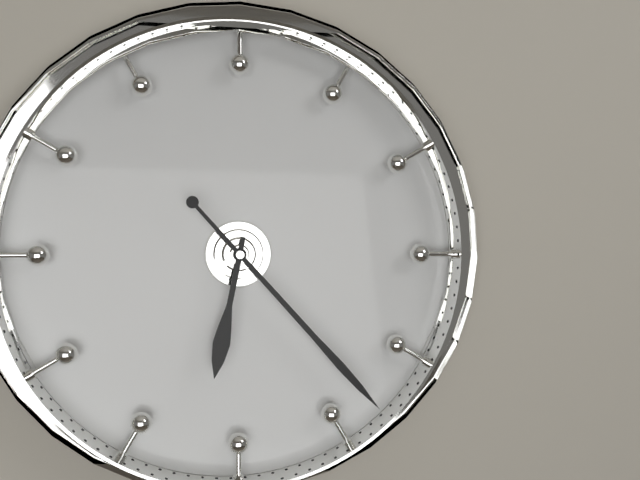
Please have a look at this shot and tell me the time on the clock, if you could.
6:23
